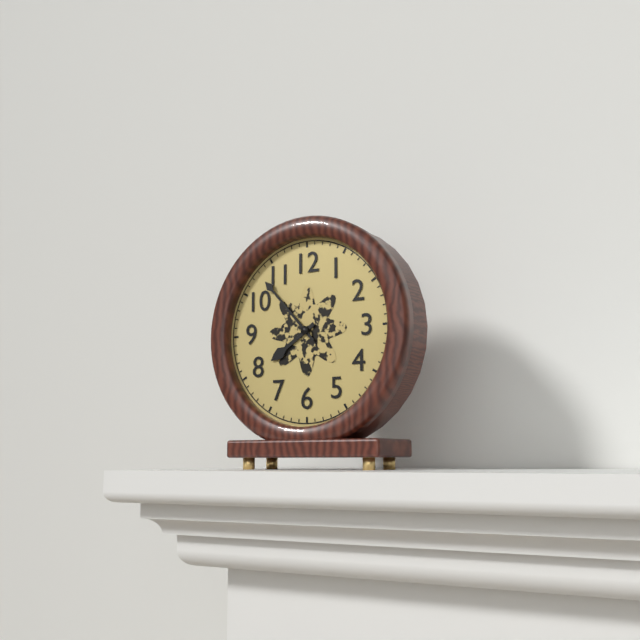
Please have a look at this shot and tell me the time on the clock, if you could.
7:53
